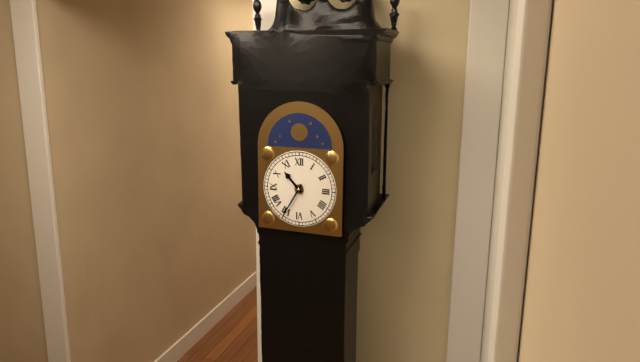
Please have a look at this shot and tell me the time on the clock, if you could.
10:35
